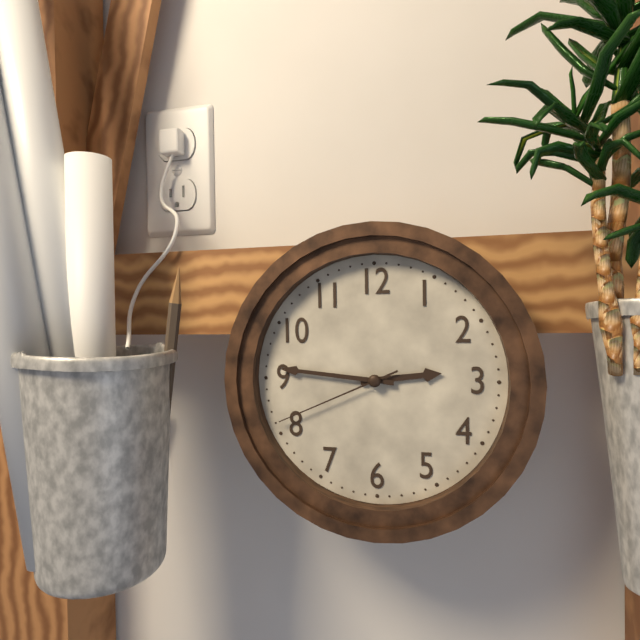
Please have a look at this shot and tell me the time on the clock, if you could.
2:46:41
